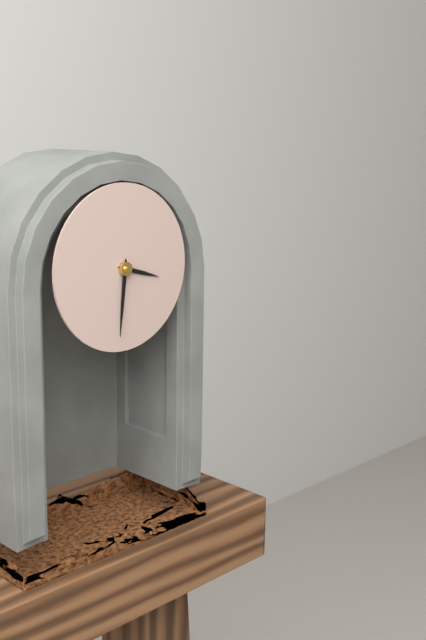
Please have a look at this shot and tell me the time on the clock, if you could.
3:31
